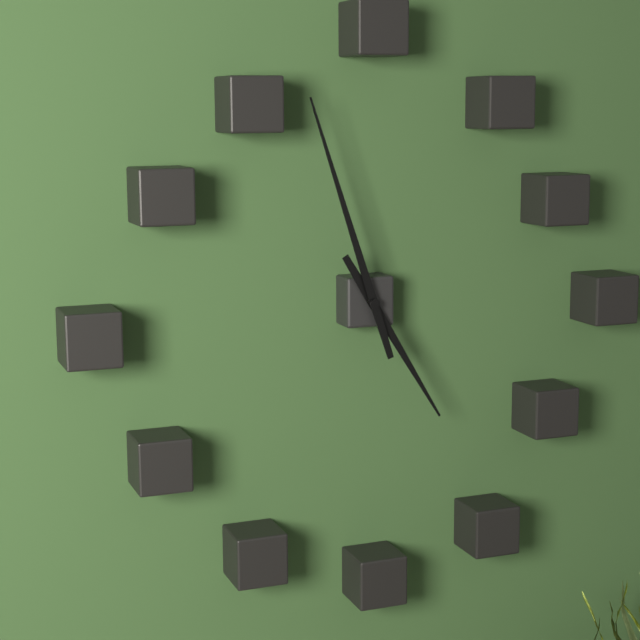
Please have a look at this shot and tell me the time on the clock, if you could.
4:57
